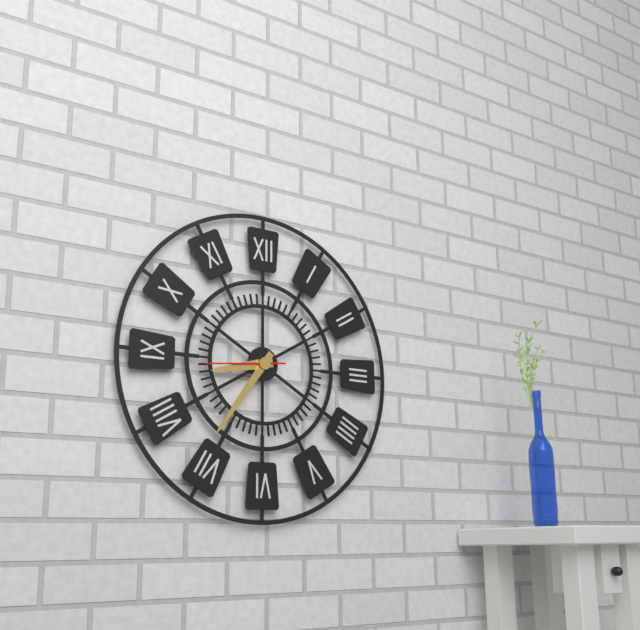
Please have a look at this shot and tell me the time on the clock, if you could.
8:36:44
